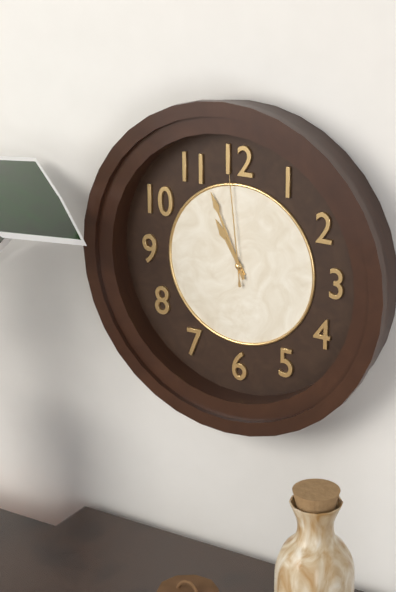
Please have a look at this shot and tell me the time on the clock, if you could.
10:56:59
